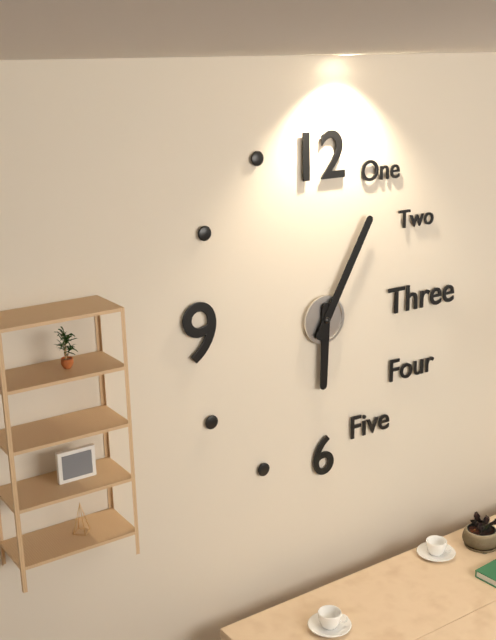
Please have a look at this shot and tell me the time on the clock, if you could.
6:05
